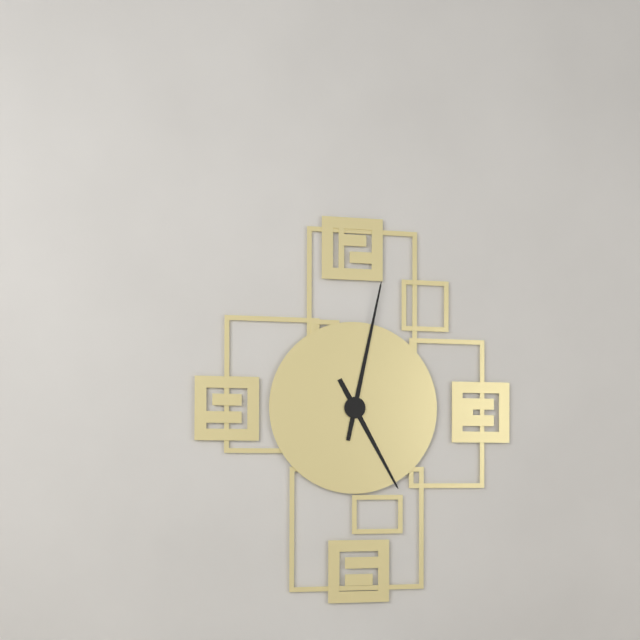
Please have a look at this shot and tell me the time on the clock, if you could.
5:02
